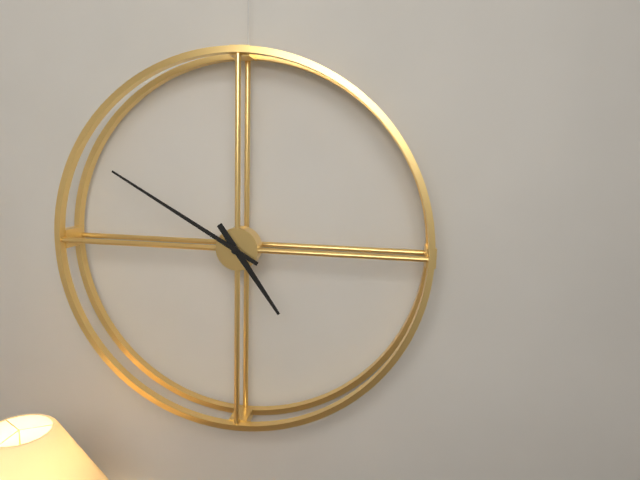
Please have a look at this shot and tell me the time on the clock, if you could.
4:50
